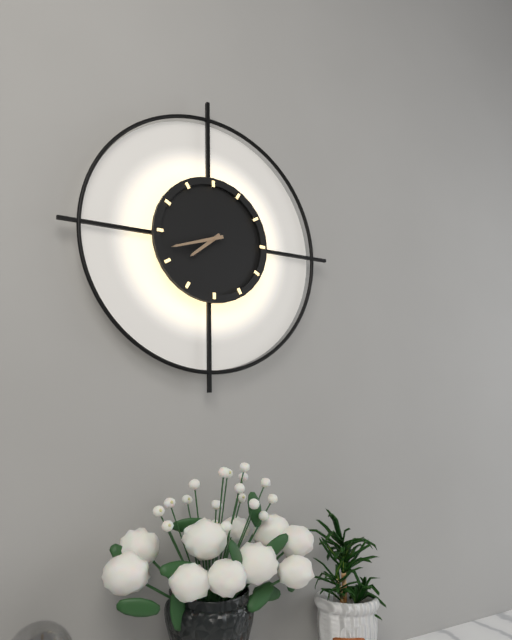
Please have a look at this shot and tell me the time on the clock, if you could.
7:42
